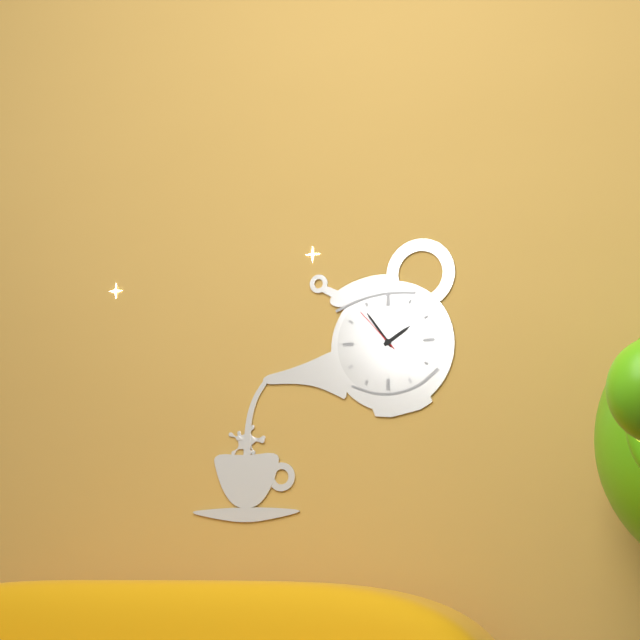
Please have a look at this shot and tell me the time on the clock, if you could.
1:54:53
